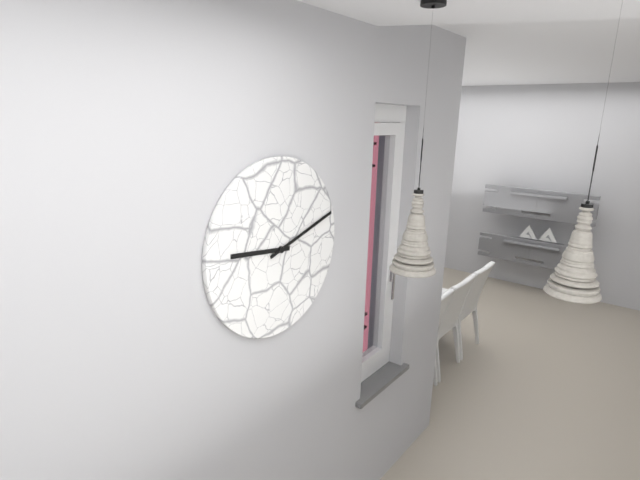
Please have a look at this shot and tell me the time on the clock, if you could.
9:12
